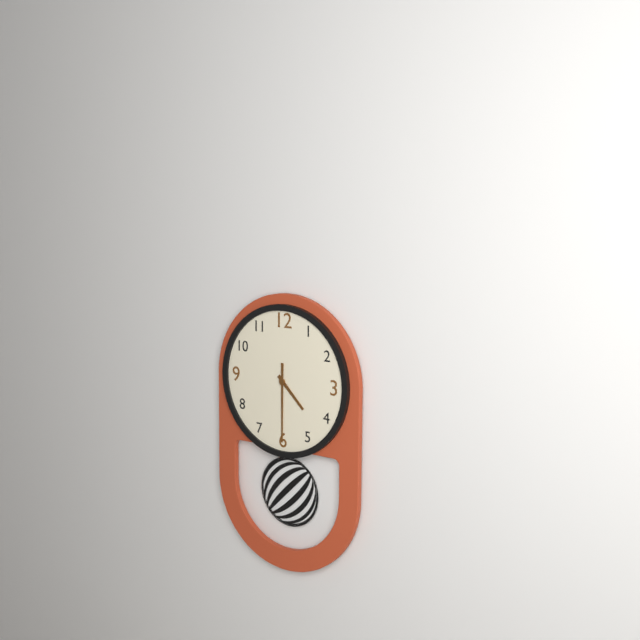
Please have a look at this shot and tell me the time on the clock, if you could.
4:30
